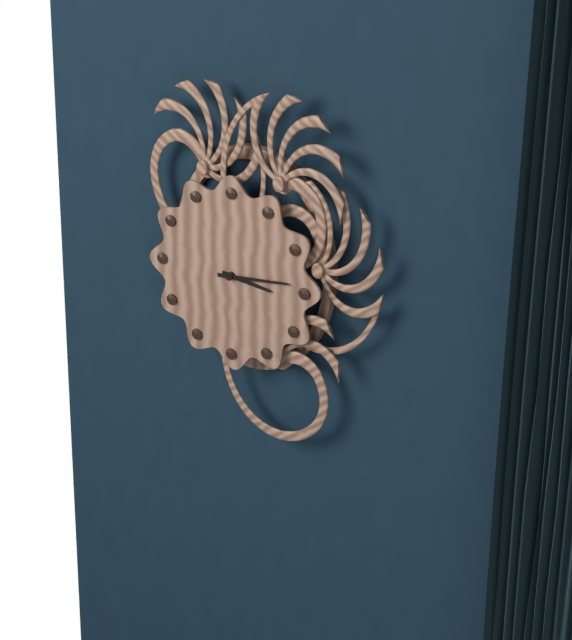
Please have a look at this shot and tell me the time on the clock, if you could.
3:14
